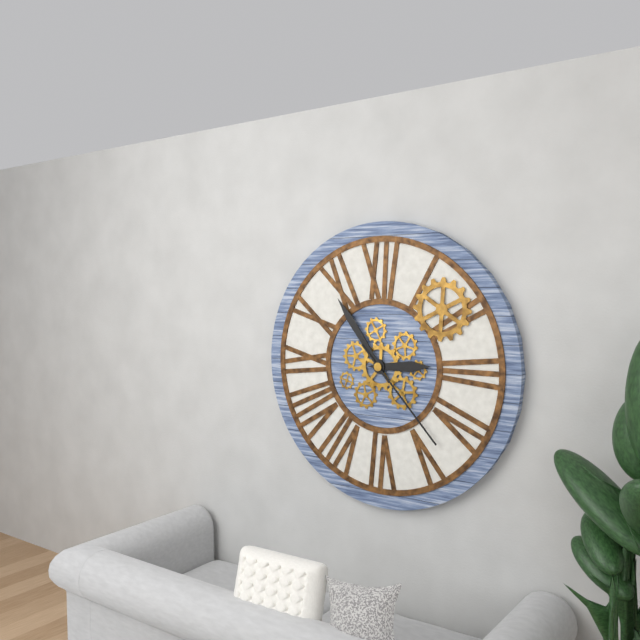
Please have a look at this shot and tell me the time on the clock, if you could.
2:54:23
